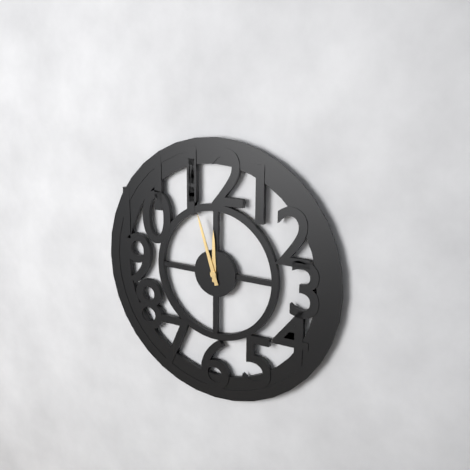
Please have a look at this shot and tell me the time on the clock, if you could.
11:57
